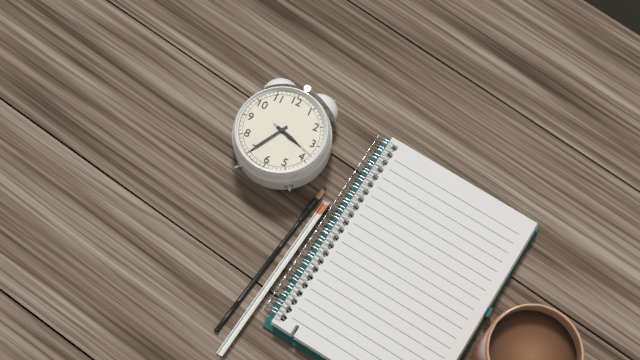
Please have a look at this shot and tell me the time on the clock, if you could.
3:35
